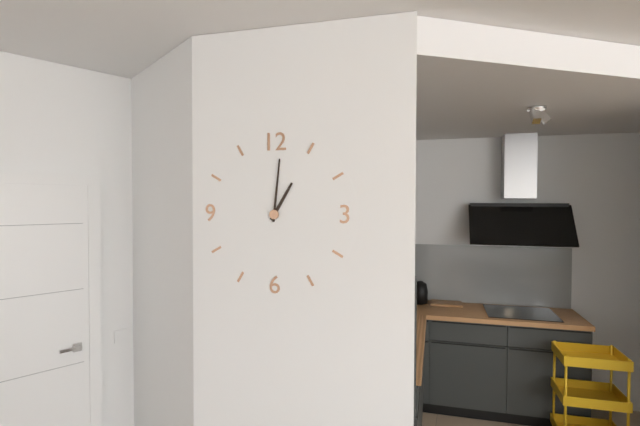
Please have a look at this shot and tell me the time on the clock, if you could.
1:01
